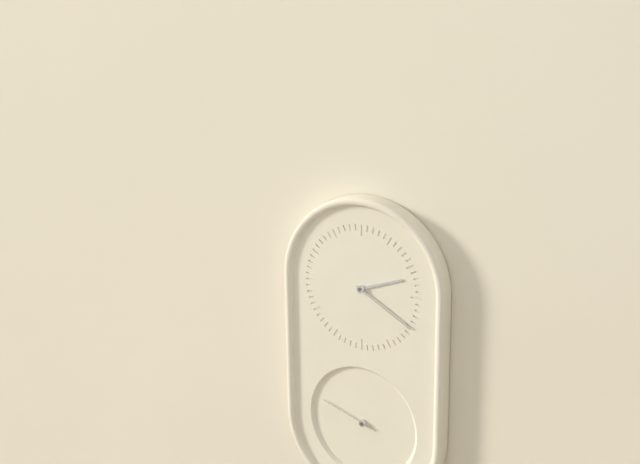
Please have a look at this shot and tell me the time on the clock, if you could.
2:20:48
